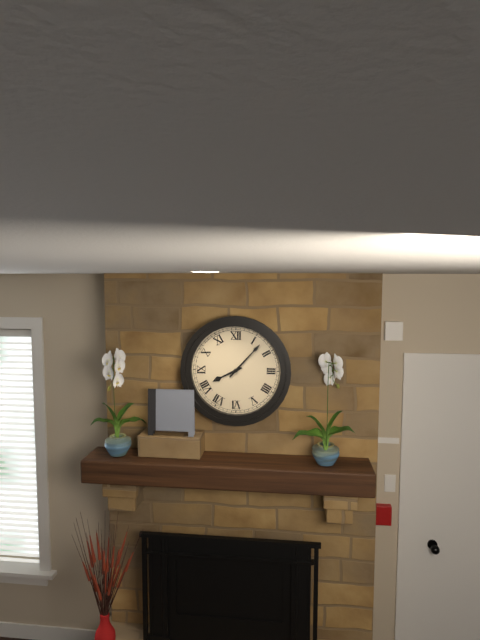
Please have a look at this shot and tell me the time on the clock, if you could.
8:07
